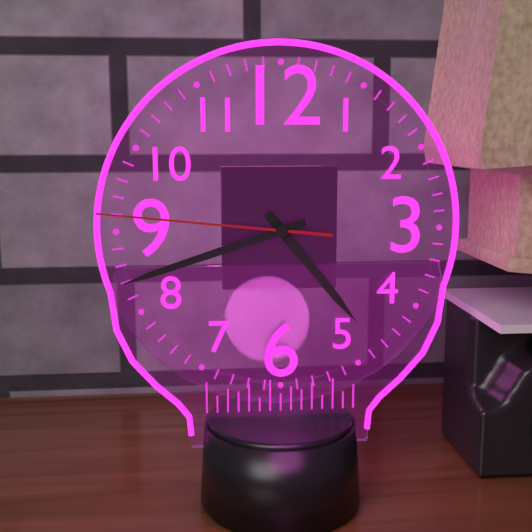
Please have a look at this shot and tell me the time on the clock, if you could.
4:42:46
